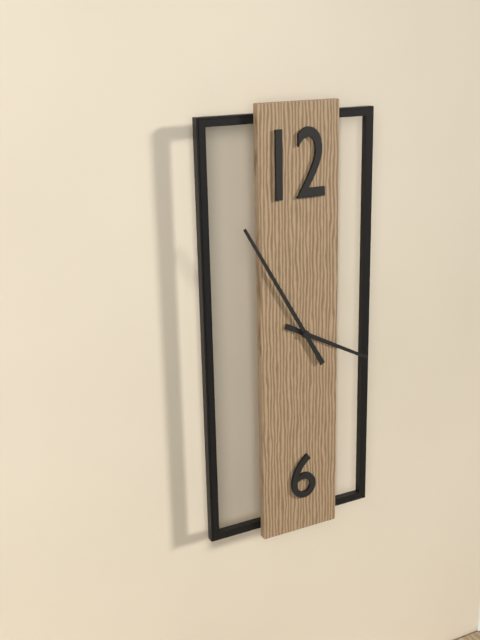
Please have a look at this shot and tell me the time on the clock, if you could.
3:55
